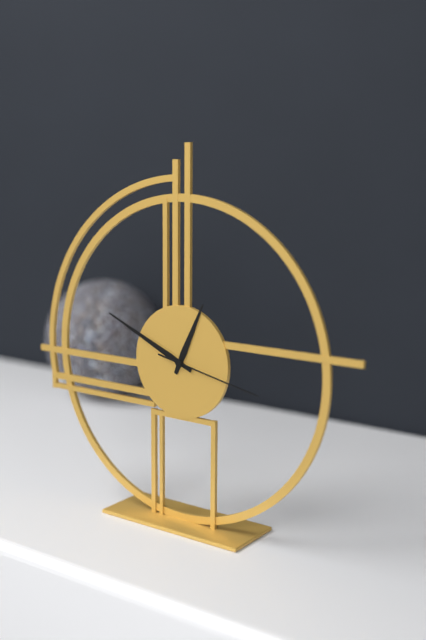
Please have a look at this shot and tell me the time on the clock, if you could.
12:49:17
